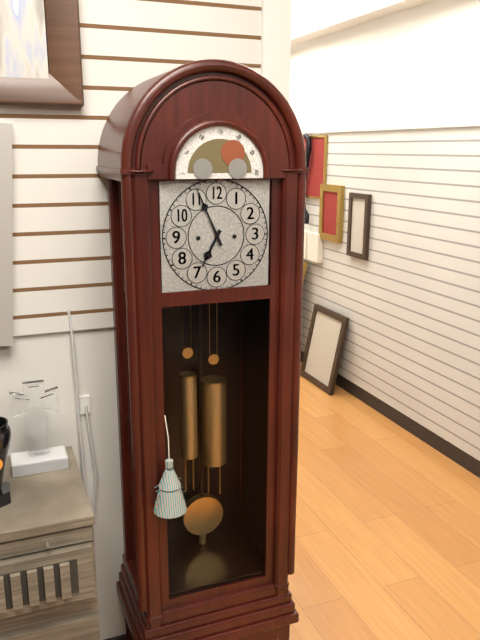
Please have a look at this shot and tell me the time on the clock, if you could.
6:56
